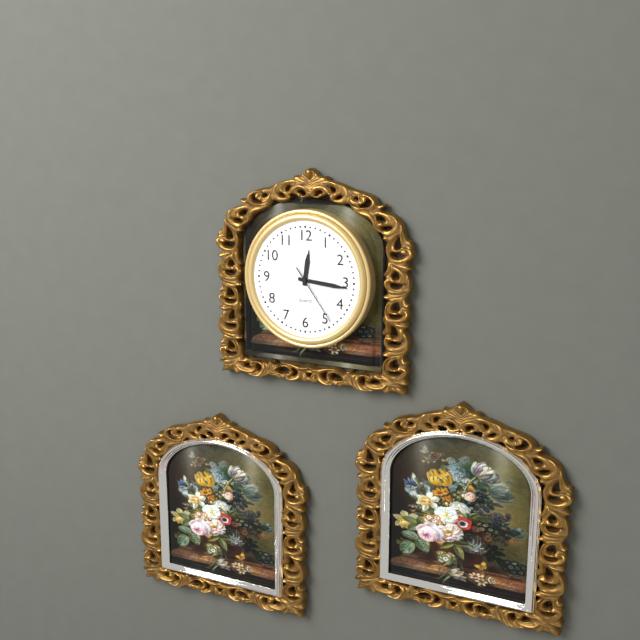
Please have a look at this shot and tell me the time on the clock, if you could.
12:16:24
